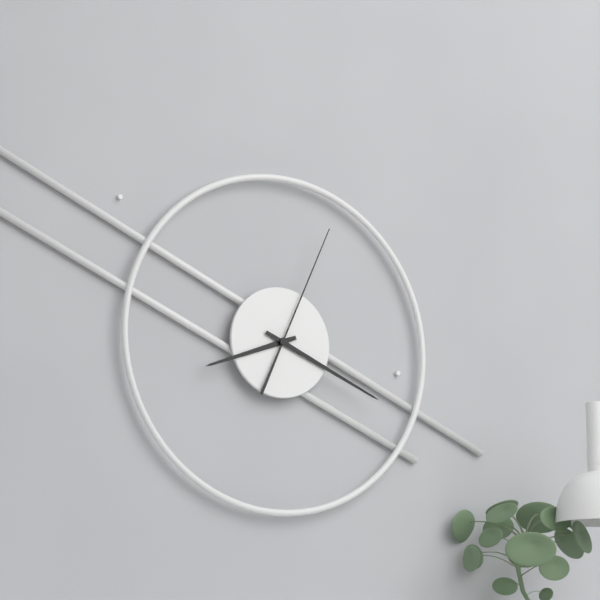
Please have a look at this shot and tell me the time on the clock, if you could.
8:19:04
